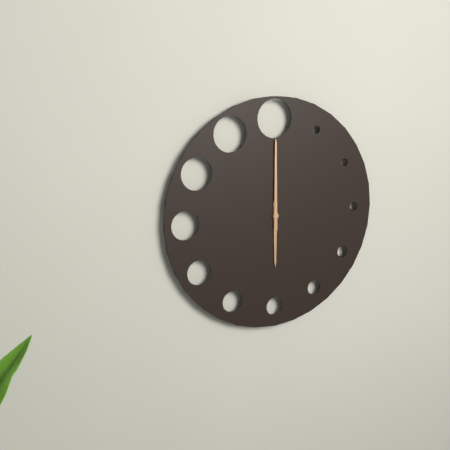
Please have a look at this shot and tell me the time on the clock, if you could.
6:00
